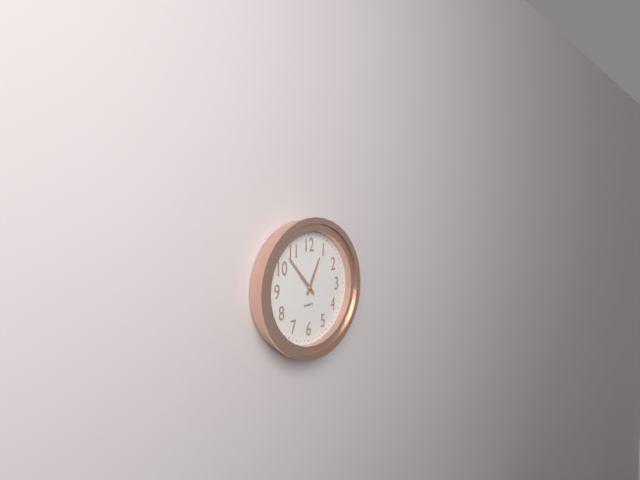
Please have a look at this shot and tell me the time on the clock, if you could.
12:53
